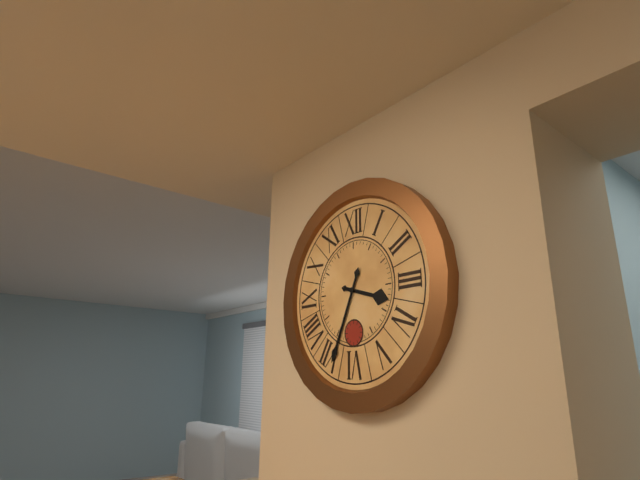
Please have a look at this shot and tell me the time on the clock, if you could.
3:34
